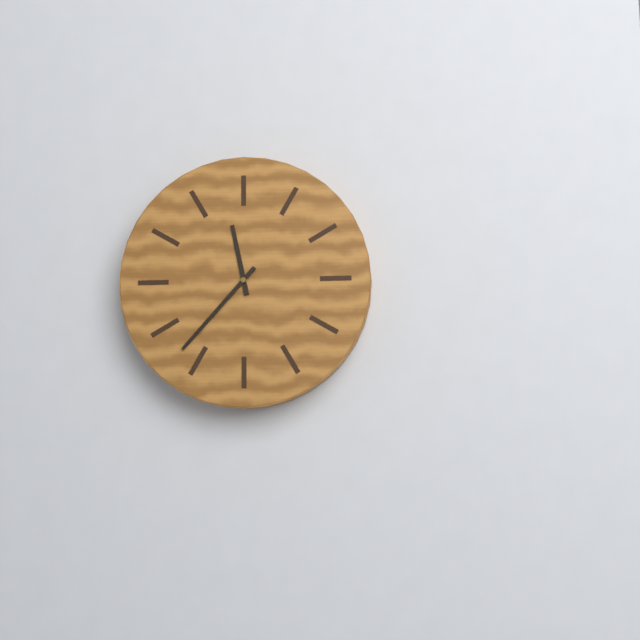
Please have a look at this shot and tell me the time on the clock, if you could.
11:37
